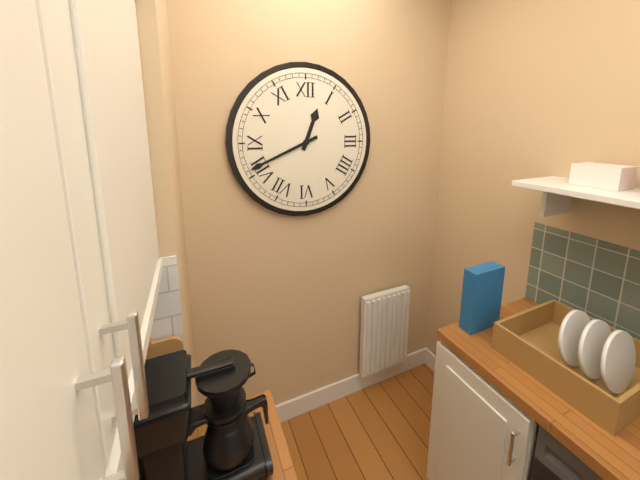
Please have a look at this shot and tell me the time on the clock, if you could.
12:41
